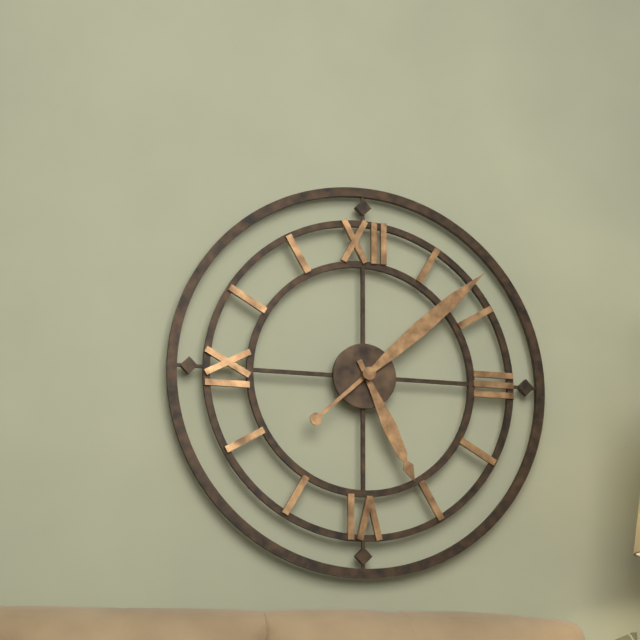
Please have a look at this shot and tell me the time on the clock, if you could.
5:08
